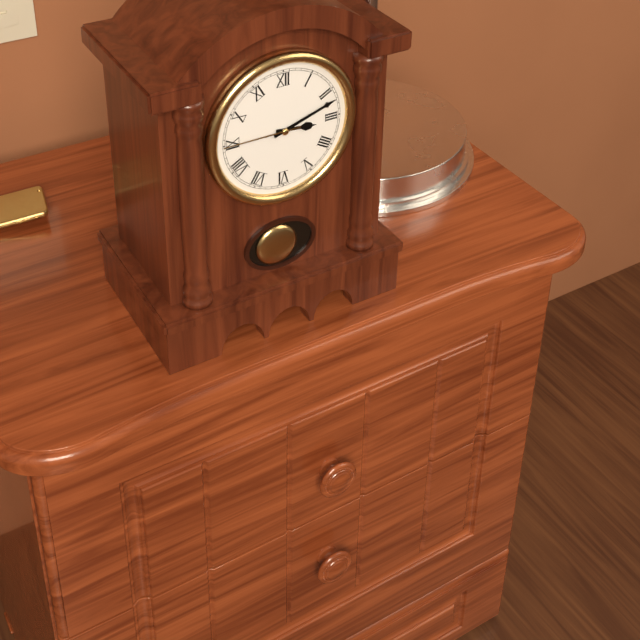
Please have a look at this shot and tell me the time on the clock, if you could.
3:12:45
